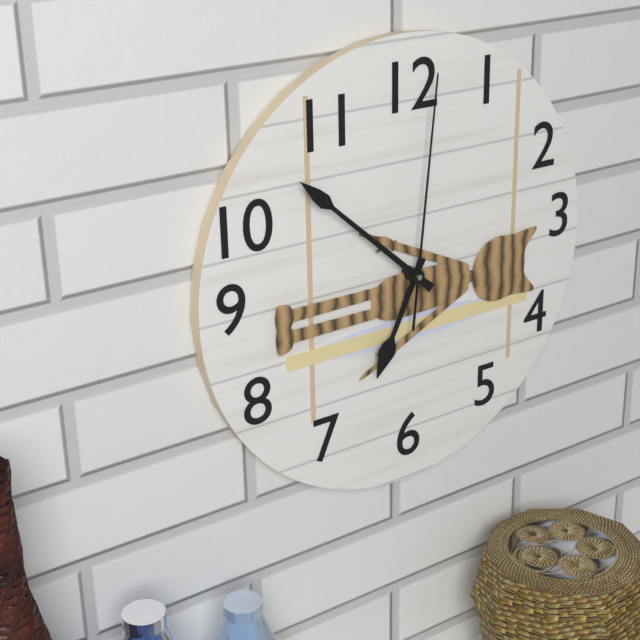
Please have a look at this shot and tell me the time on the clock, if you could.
6:52:01
